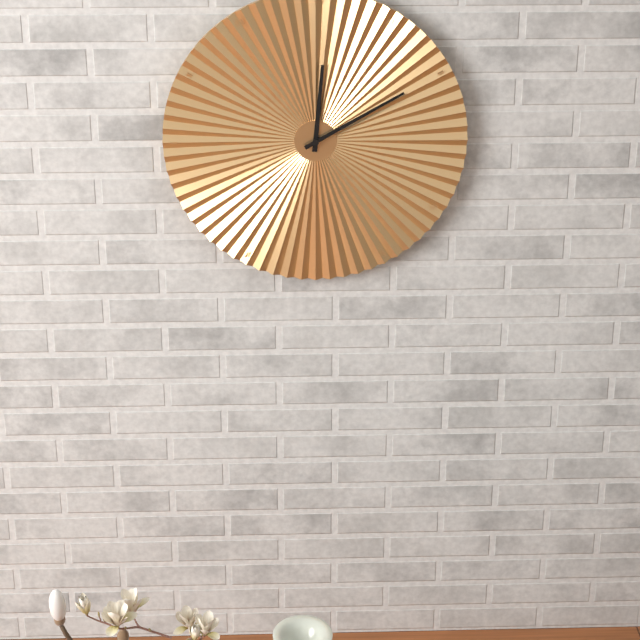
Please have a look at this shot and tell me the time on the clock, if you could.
12:10
